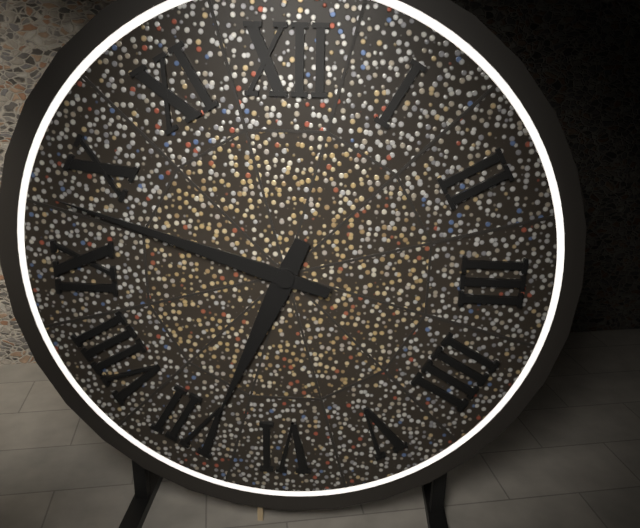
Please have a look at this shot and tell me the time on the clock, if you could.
6:48
